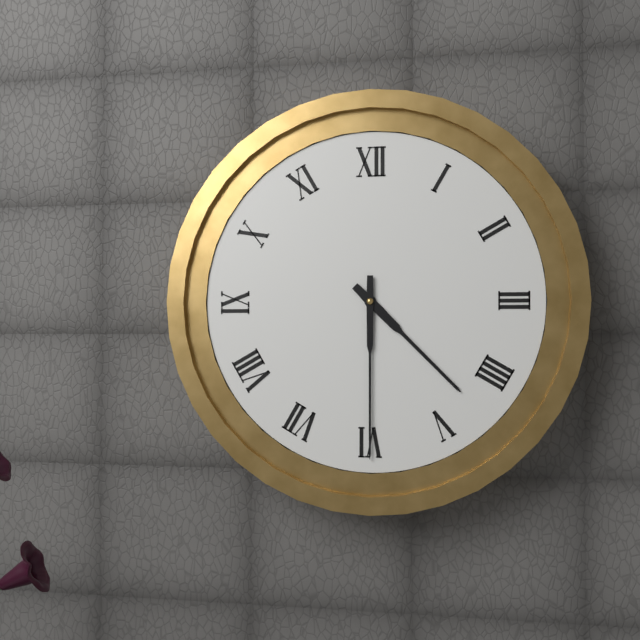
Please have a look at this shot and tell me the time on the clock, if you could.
4:30
